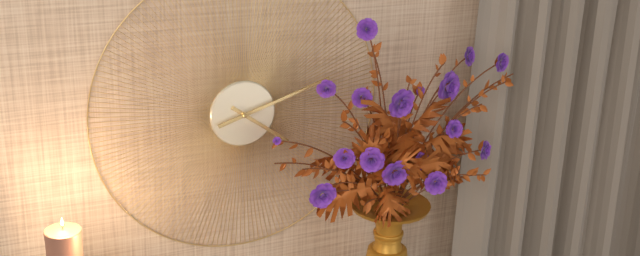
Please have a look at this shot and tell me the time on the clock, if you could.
4:12
